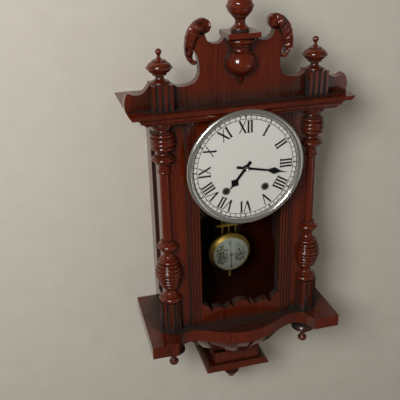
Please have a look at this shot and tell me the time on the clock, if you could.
7:17
